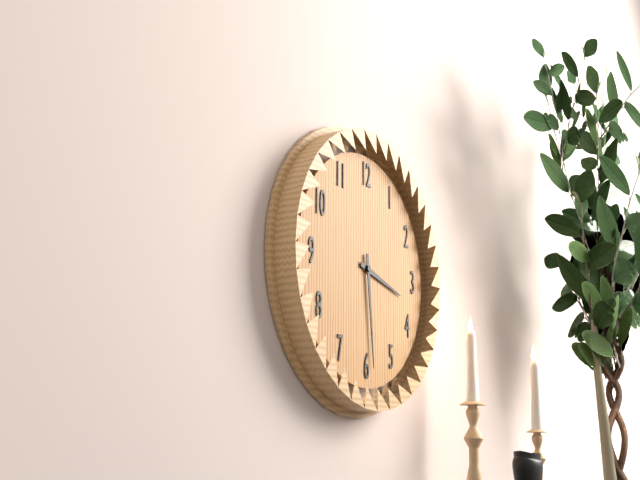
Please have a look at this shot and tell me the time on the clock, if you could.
3:29
